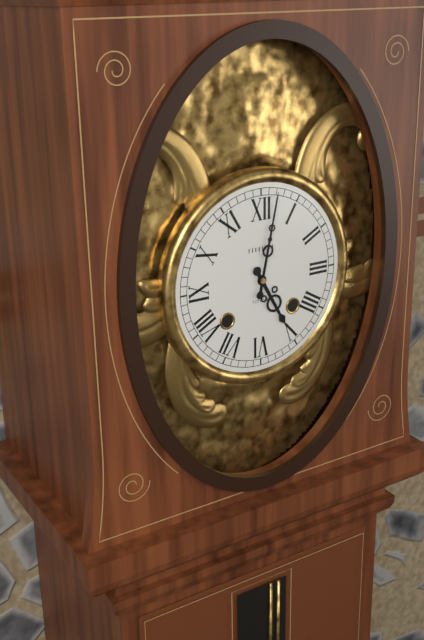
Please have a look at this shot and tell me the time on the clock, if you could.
5:02
